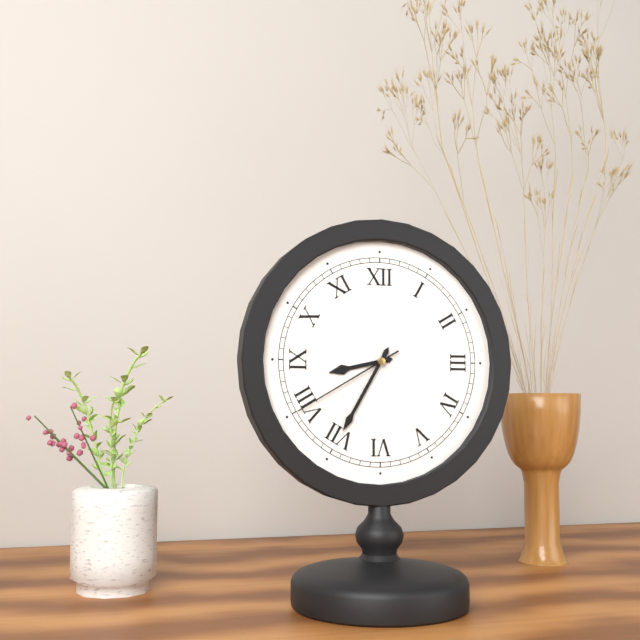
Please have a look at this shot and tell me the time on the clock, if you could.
8:35:40
